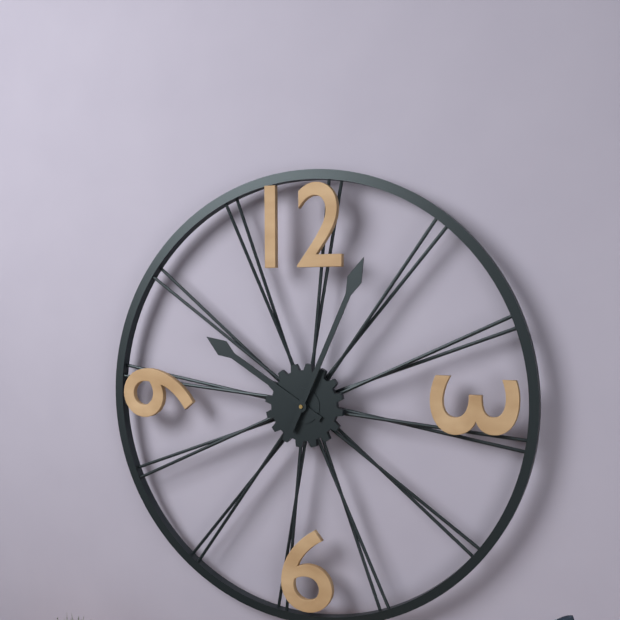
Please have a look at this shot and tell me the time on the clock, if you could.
10:04
